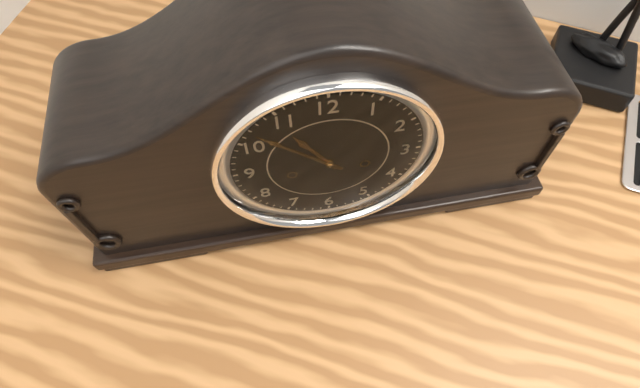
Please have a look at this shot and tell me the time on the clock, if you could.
10:52
